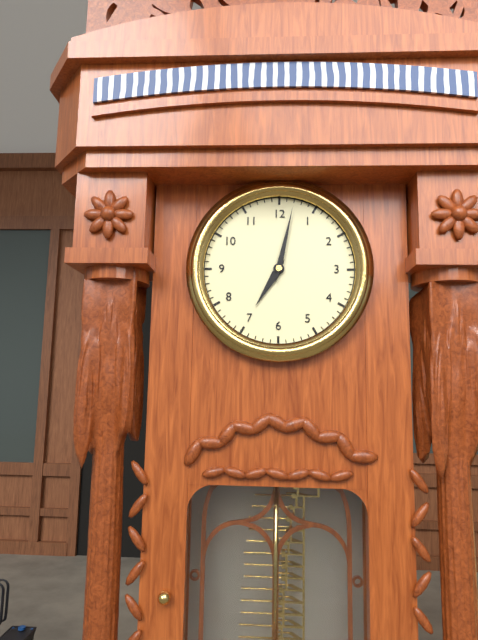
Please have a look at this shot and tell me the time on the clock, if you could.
7:02
